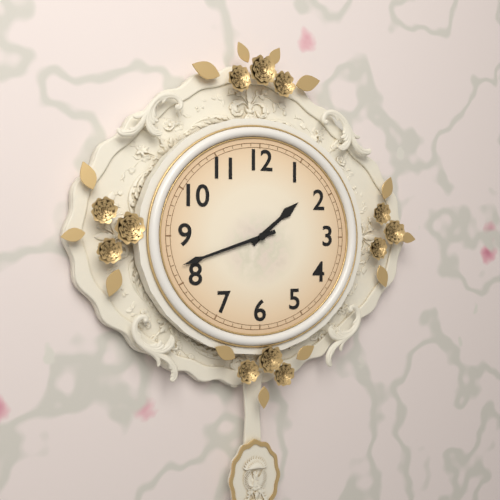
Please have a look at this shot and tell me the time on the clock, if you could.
1:42
